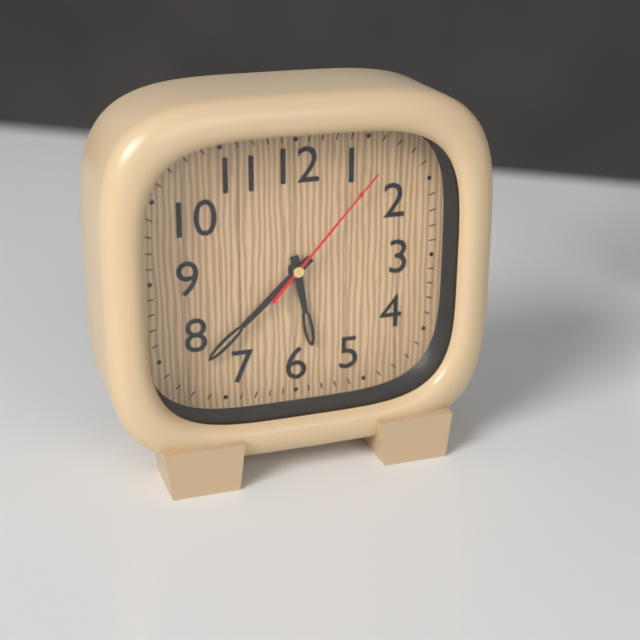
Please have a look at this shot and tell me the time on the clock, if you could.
5:38:07
